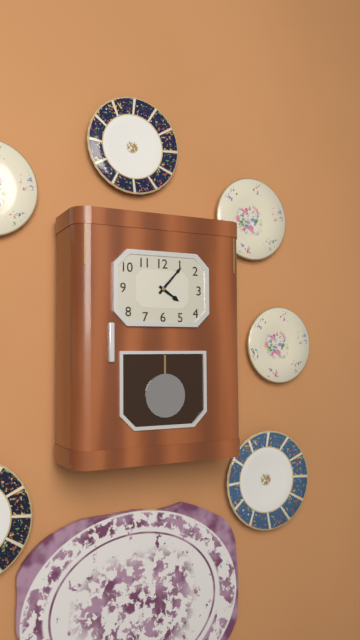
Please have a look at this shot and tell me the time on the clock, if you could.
4:07
